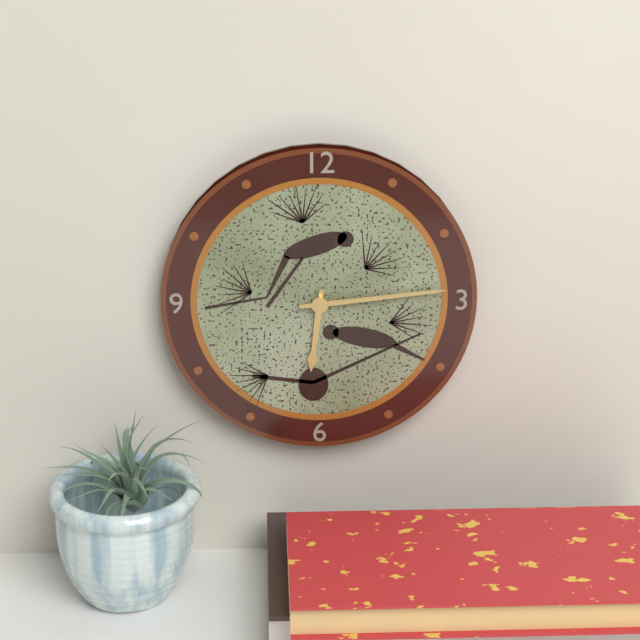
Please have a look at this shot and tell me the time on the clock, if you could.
6:14
